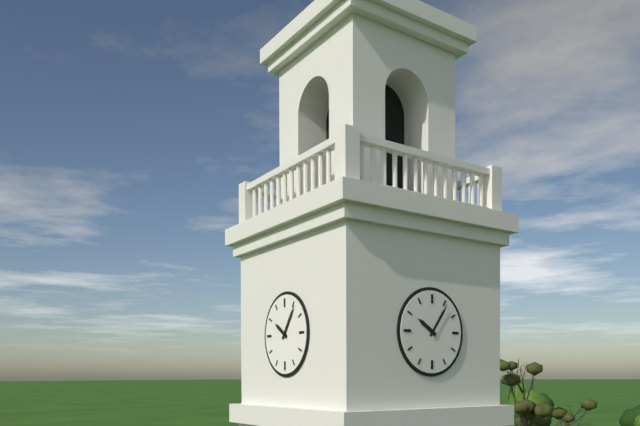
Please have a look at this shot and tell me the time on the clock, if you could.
10:06
